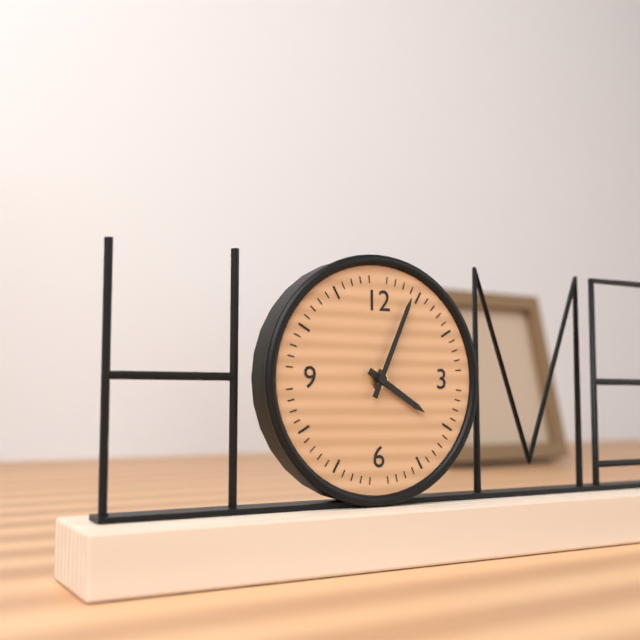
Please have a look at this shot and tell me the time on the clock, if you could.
4:04
